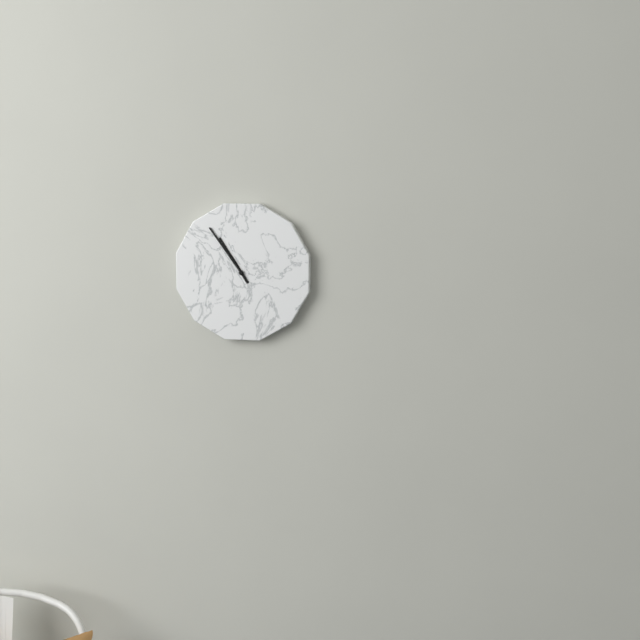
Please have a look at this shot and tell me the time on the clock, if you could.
10:54
